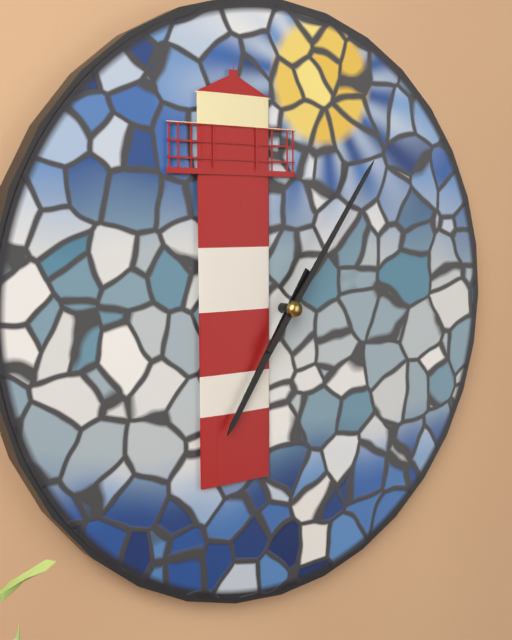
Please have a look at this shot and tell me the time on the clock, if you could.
7:06
